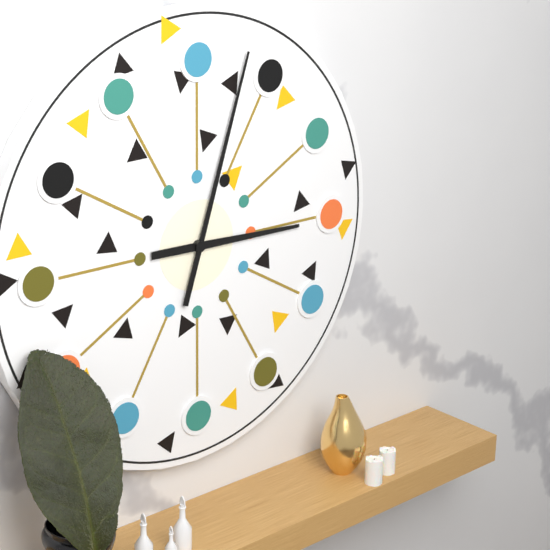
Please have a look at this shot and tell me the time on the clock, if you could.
3:03
